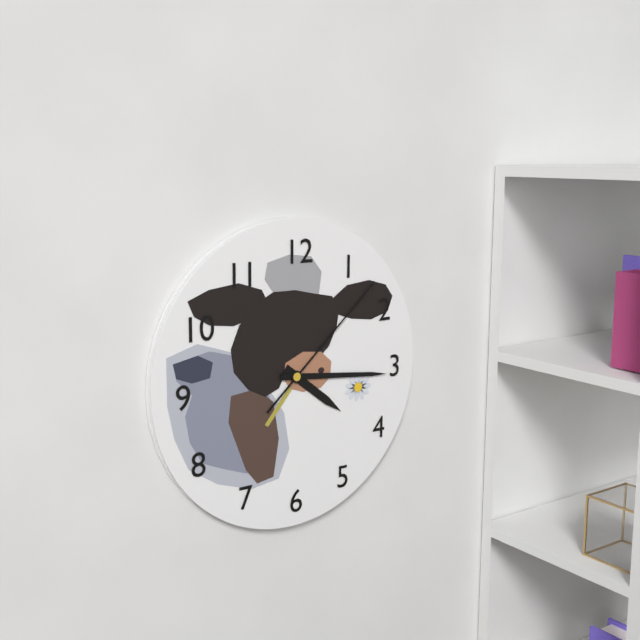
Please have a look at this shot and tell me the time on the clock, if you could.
4:16:08
